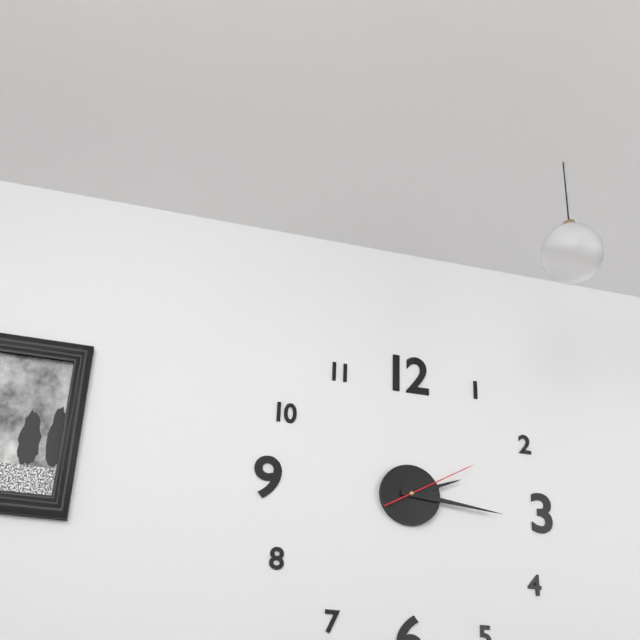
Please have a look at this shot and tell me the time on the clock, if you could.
2:16:10
